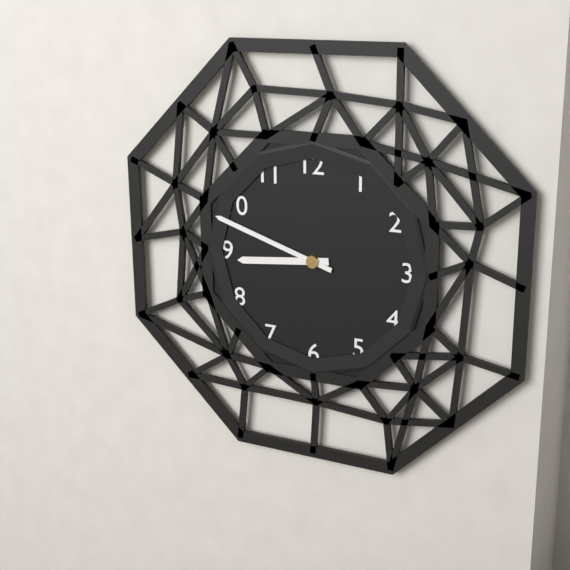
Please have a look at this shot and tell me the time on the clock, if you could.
8:48
